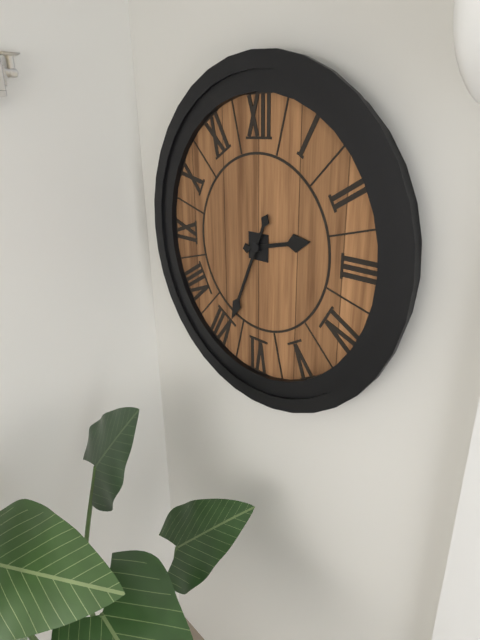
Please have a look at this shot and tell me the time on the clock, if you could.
2:34
